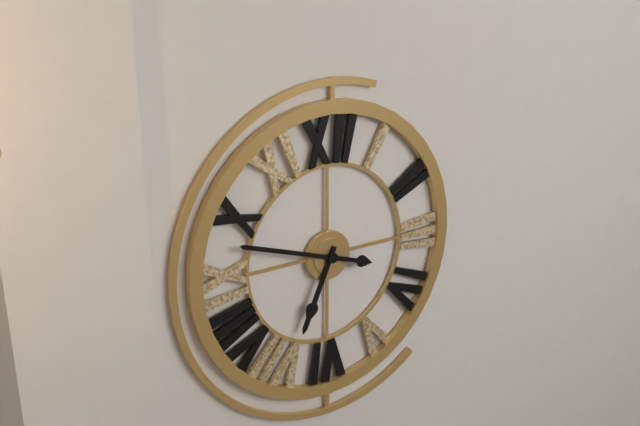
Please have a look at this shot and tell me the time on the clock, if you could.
6:48
